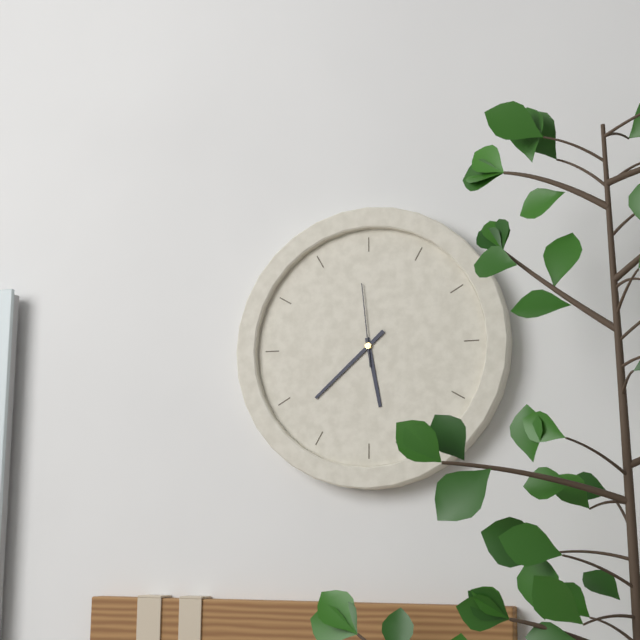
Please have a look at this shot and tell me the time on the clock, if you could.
5:38:59
